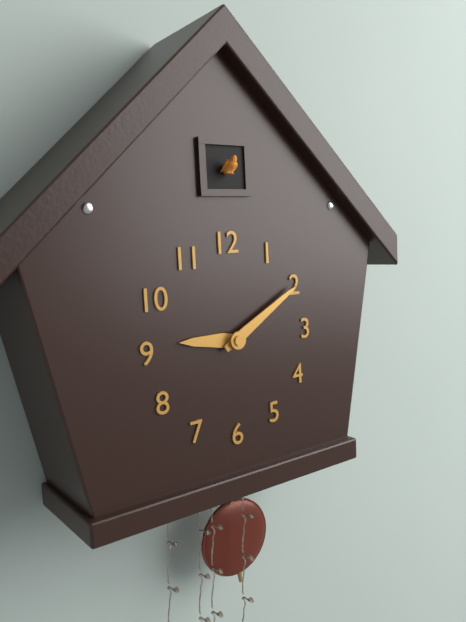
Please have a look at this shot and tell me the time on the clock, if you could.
9:10
